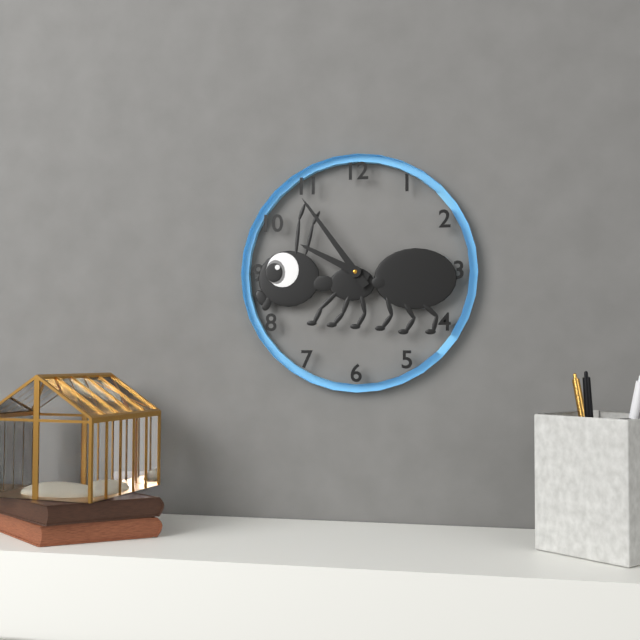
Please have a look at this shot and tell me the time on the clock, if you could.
9:54
